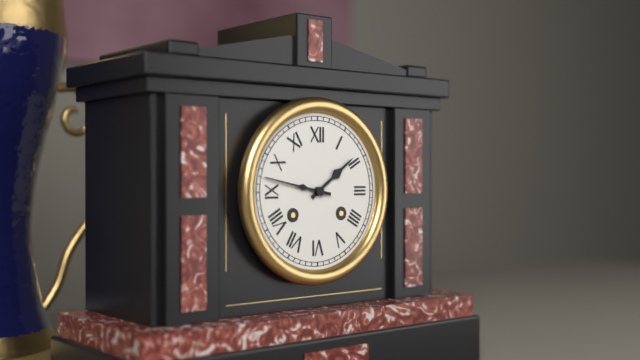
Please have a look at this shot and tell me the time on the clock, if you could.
1:47
